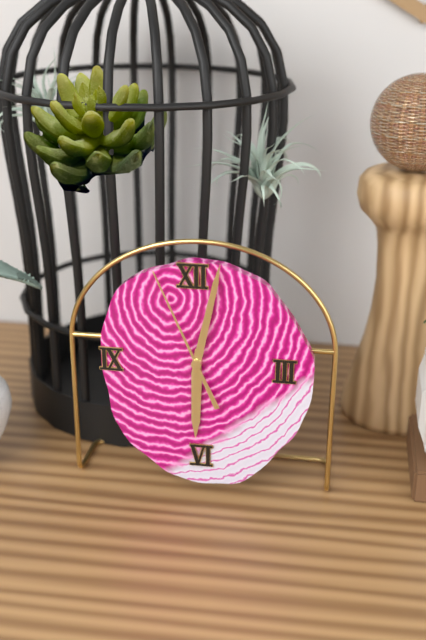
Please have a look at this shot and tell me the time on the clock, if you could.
6:02:56
